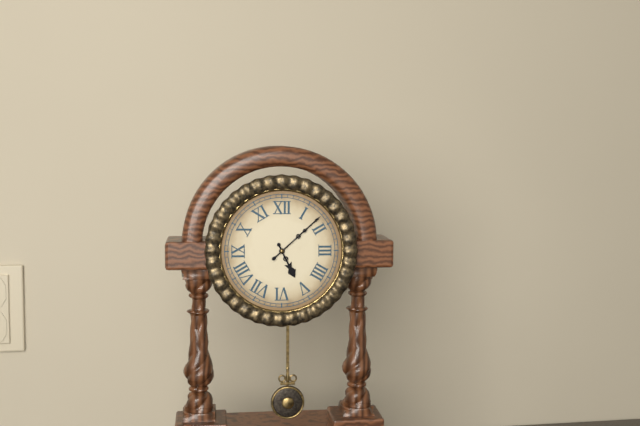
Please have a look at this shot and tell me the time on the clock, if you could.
5:08:08
